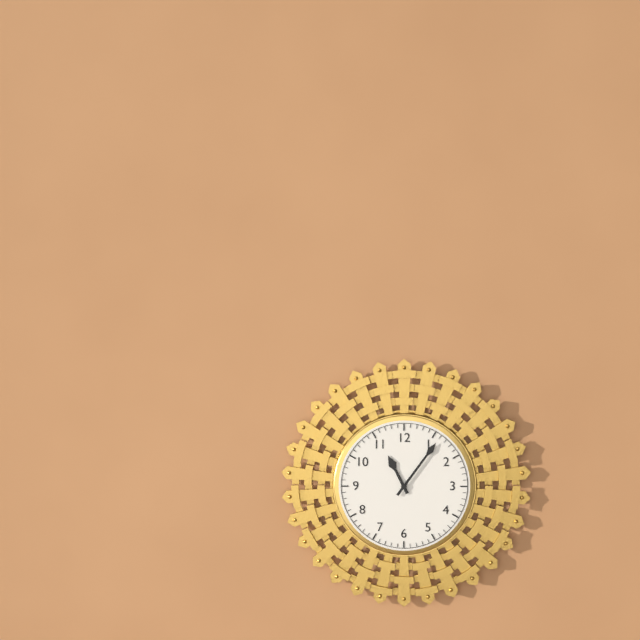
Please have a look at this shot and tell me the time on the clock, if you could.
11:06
